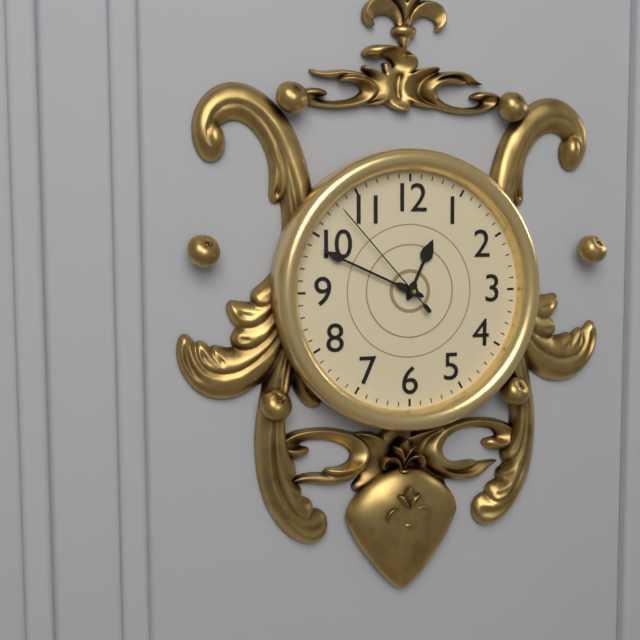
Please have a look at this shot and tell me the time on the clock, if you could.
12:49:53
